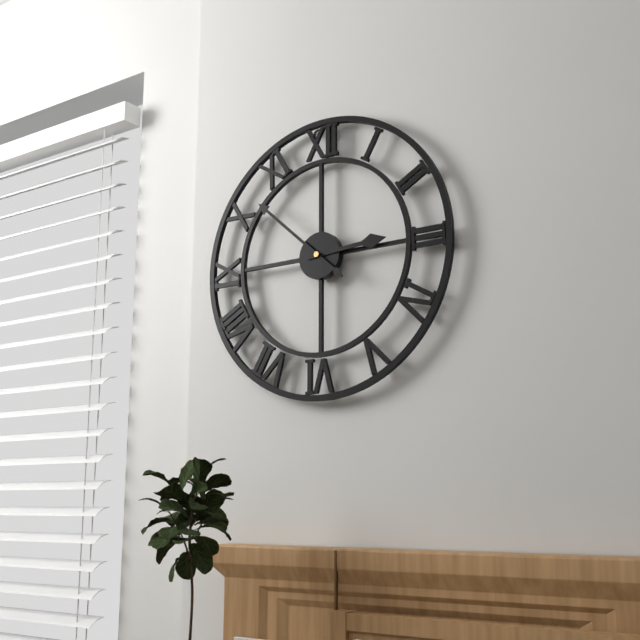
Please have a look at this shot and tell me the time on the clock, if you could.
2:52
